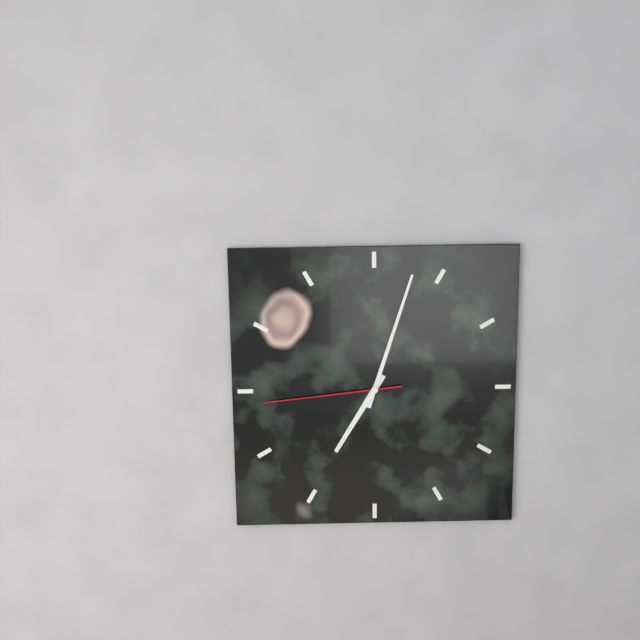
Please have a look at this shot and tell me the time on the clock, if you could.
7:03:44
